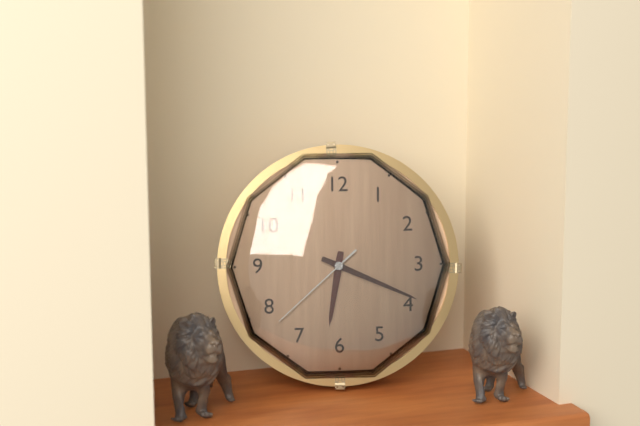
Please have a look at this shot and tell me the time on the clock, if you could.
6:19:38
